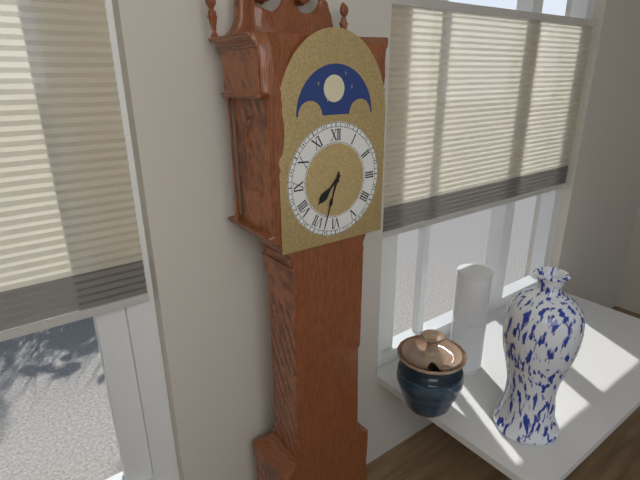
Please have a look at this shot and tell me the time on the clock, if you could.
7:33
